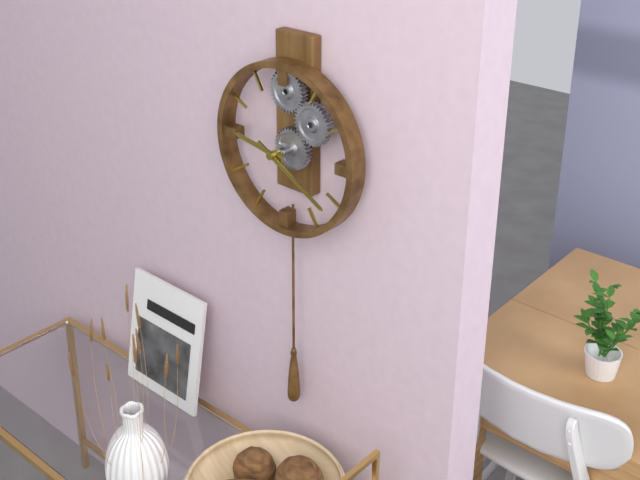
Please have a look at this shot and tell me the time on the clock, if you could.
9:20
